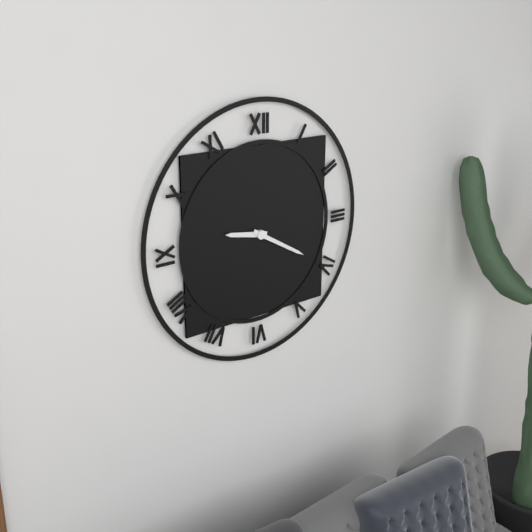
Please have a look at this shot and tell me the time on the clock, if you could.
9:20
